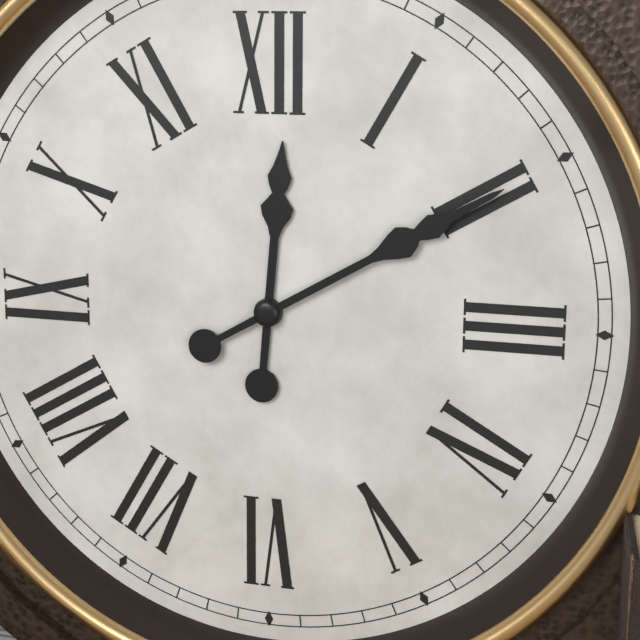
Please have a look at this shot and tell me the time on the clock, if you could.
12:10
